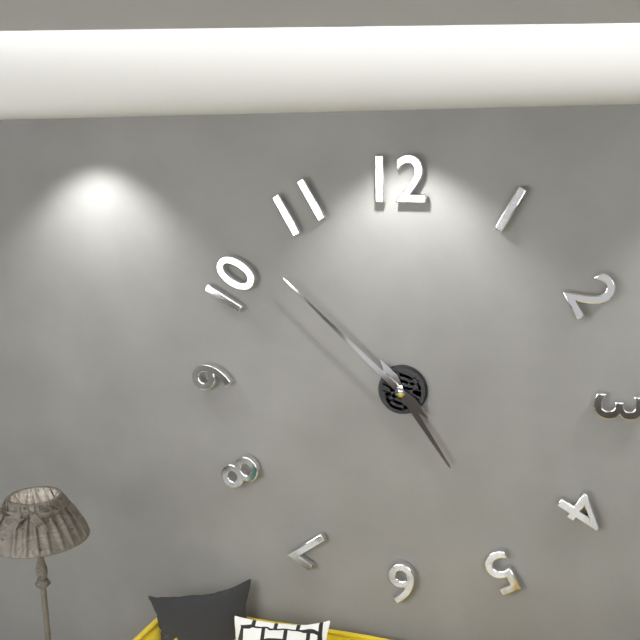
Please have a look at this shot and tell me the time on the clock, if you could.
4:52
